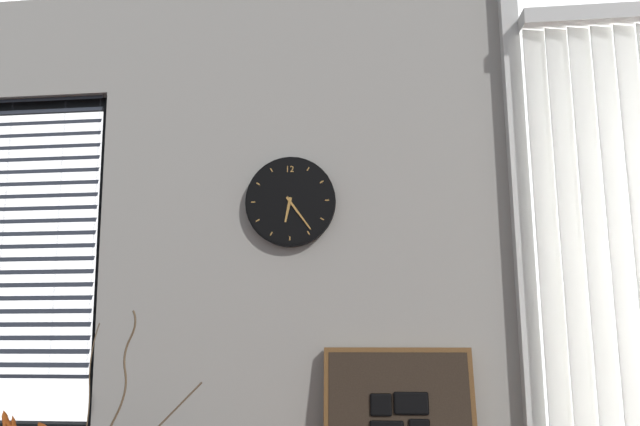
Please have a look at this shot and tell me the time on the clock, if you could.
6:24
